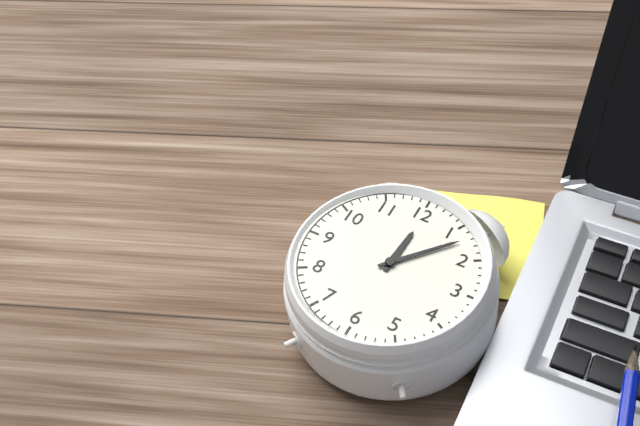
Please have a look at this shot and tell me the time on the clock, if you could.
12:07
